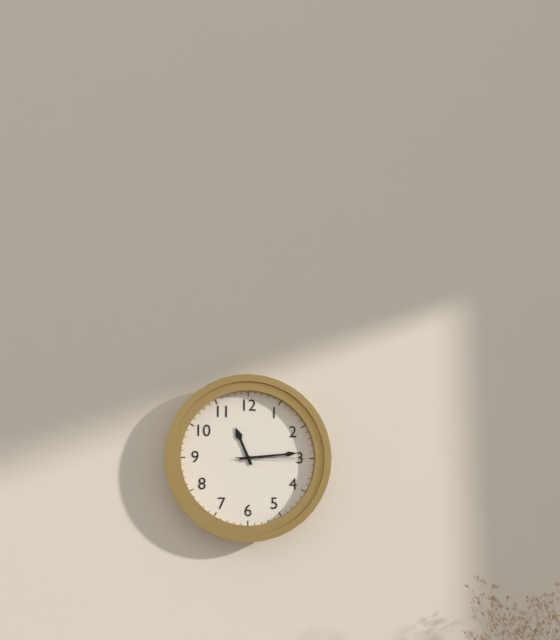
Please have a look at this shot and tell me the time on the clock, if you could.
11:14:15
